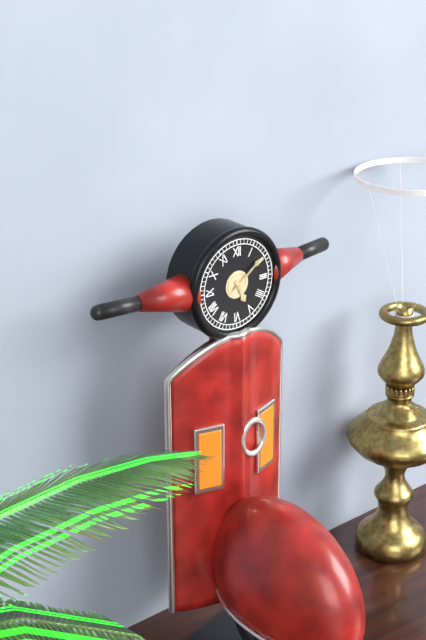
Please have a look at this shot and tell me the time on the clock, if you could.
5:09
